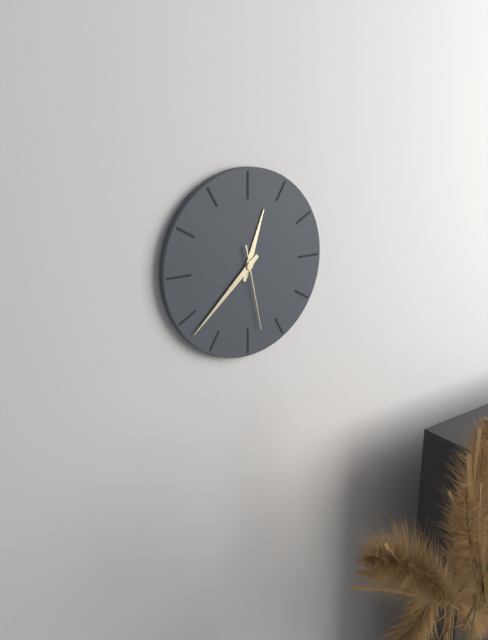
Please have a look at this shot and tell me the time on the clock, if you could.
12:38:28
